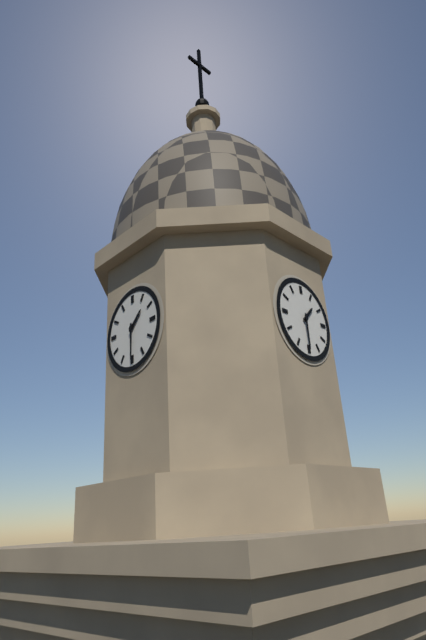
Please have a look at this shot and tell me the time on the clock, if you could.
1:30
